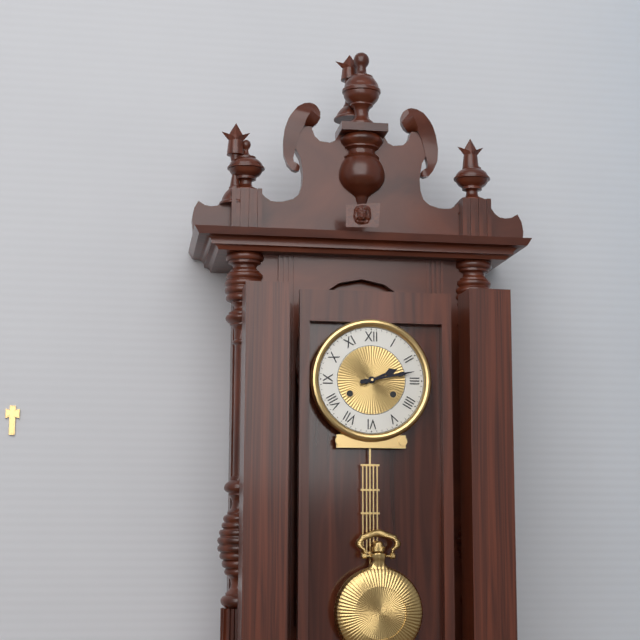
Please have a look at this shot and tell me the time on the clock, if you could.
2:13
